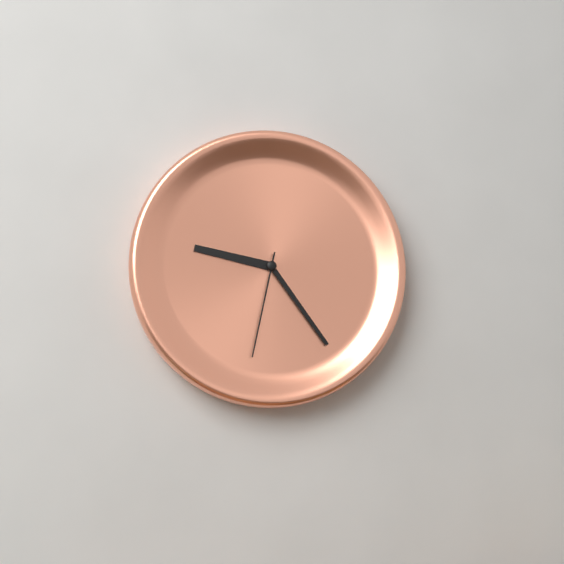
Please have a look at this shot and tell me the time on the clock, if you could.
9:24:32
